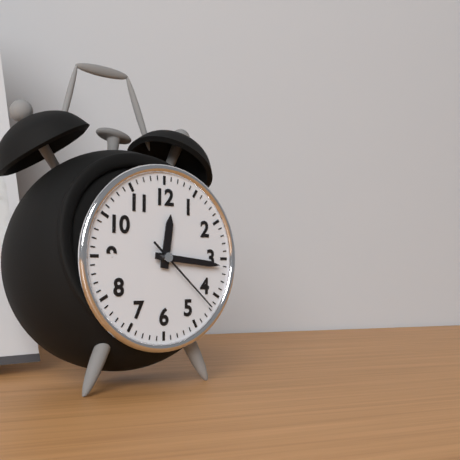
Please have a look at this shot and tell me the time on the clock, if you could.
12:16:22
